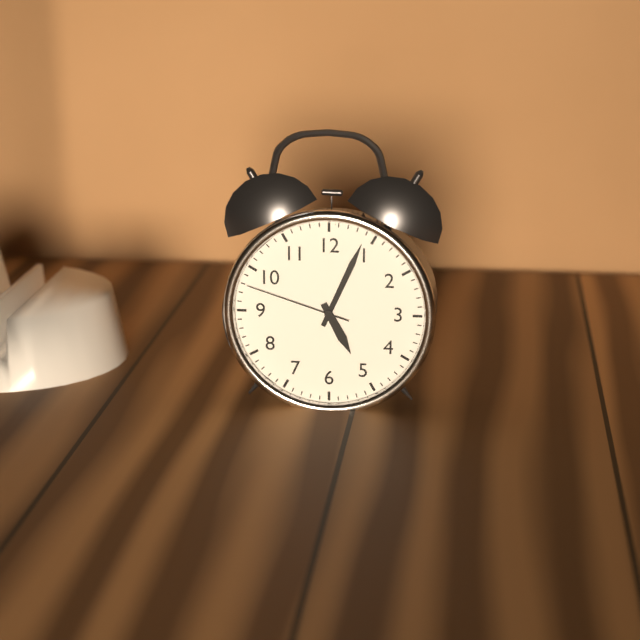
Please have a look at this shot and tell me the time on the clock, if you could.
5:04:48
